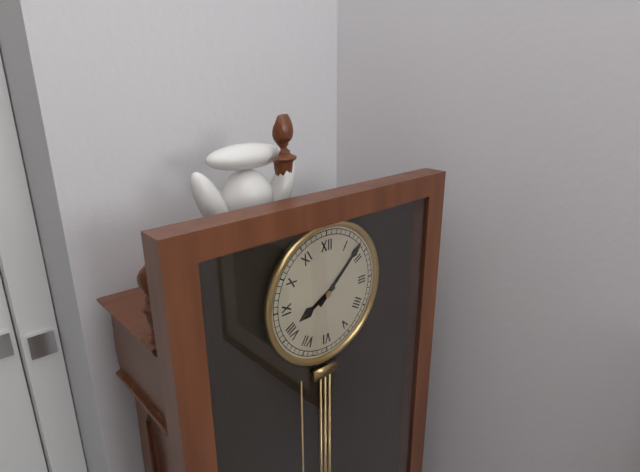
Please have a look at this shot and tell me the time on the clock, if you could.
8:08
